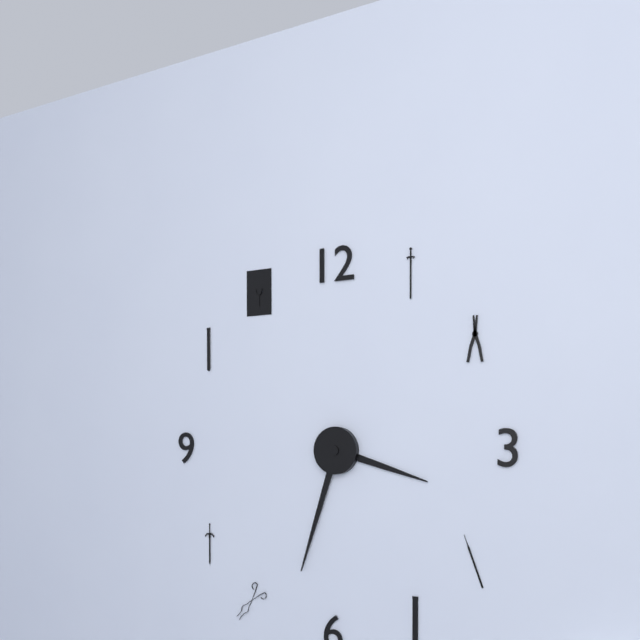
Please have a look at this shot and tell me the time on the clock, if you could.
3:33
